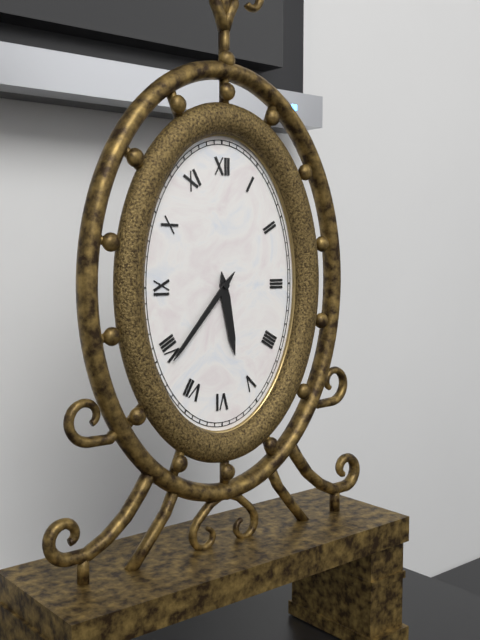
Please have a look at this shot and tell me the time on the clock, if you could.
5:37
